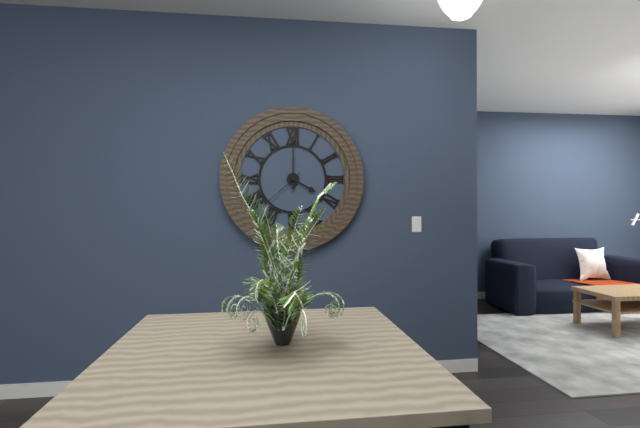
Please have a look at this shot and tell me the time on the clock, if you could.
4:00:38
